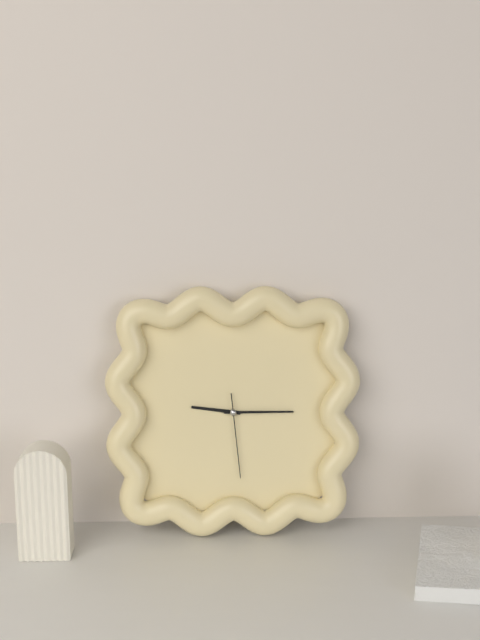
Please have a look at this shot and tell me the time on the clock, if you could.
9:15:29
